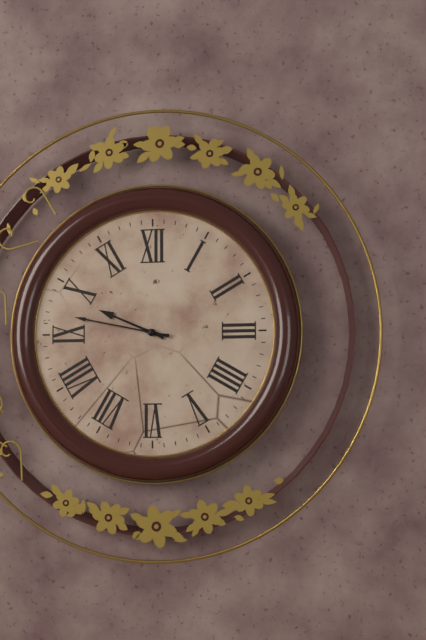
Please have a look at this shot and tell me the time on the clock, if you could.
9:47
